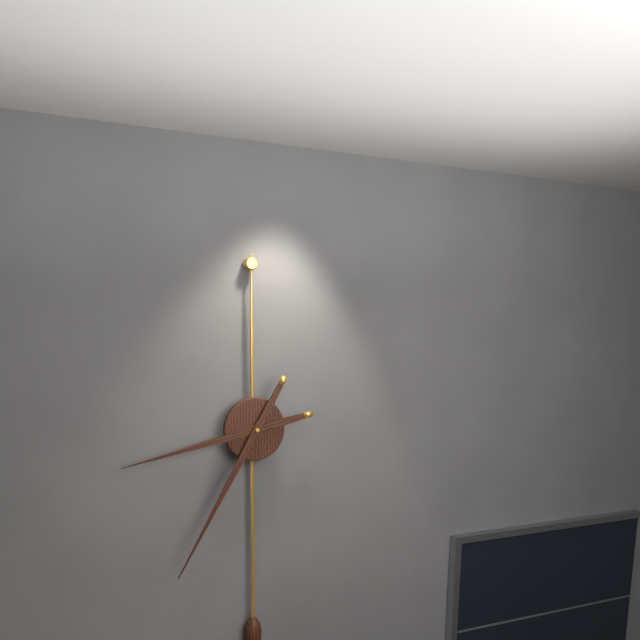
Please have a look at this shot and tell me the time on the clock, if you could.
8:35
